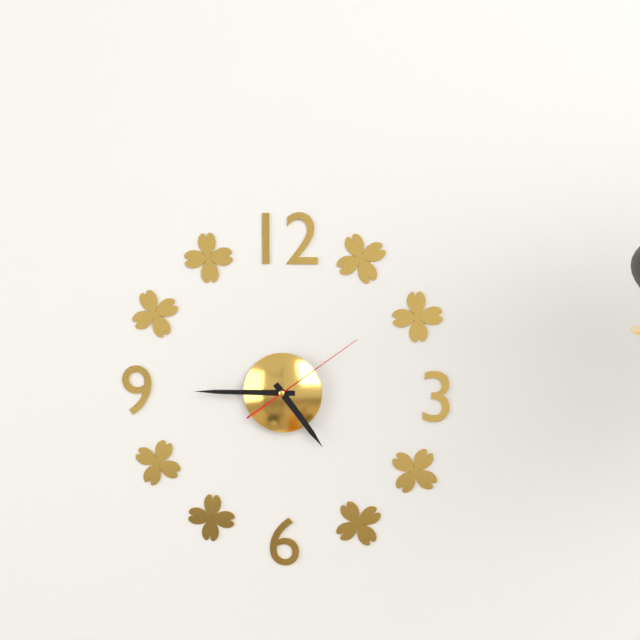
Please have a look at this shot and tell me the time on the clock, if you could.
4:45:09
